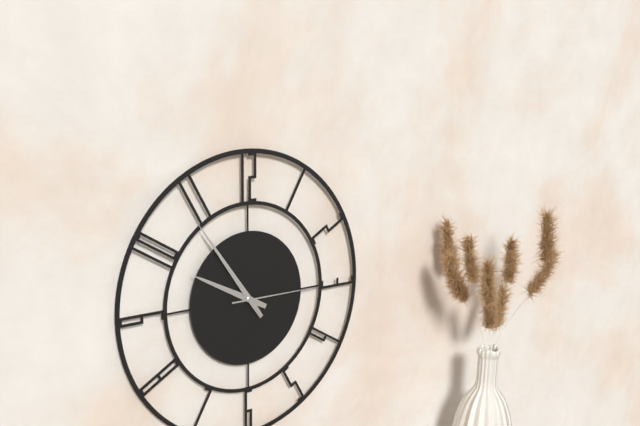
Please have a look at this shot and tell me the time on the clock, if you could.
9:54:15
